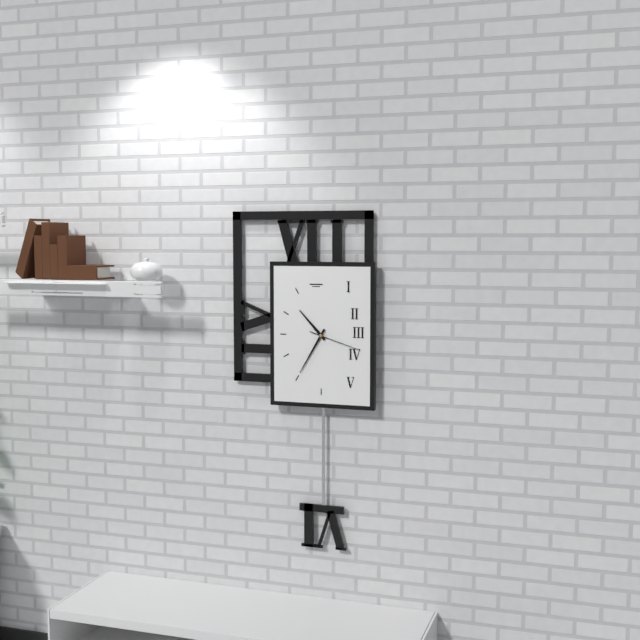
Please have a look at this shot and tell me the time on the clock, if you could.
10:35:18
